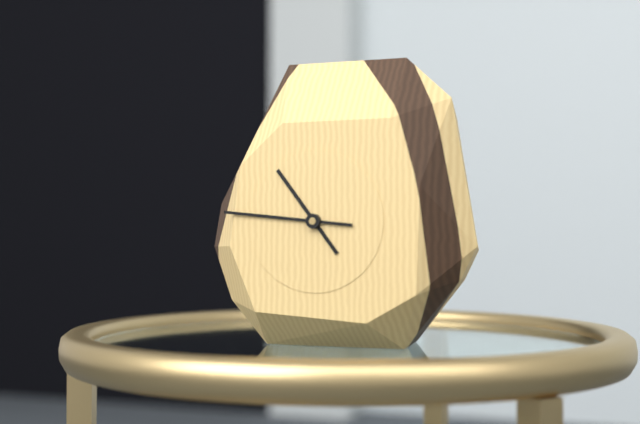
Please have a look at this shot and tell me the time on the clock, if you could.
10:46
